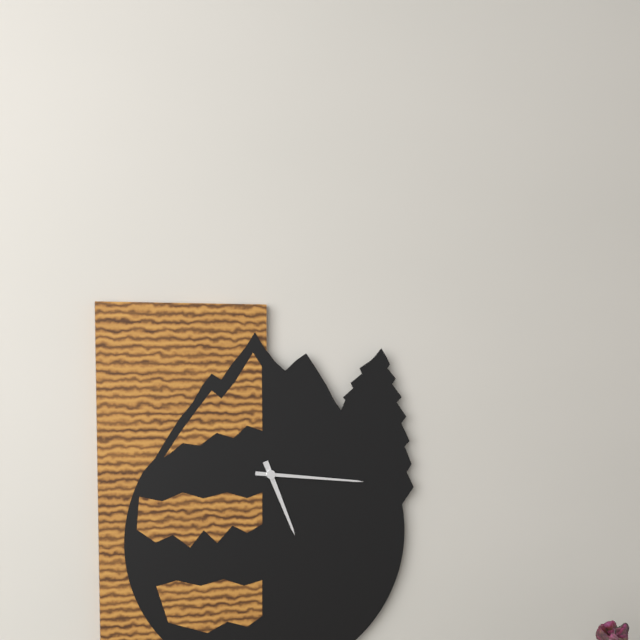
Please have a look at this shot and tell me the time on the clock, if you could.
5:16
